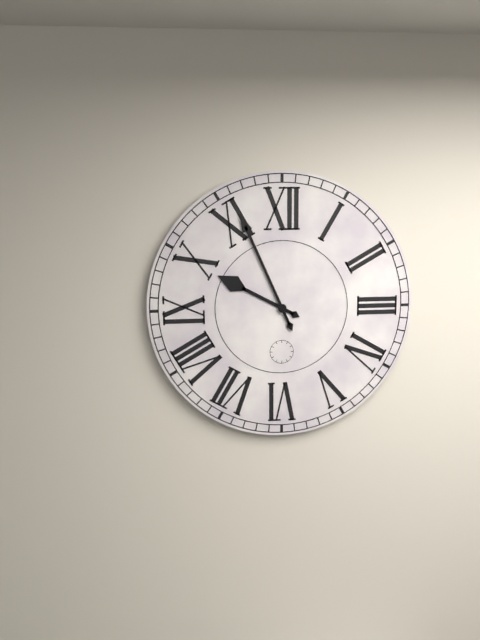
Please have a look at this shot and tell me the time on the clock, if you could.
9:56
